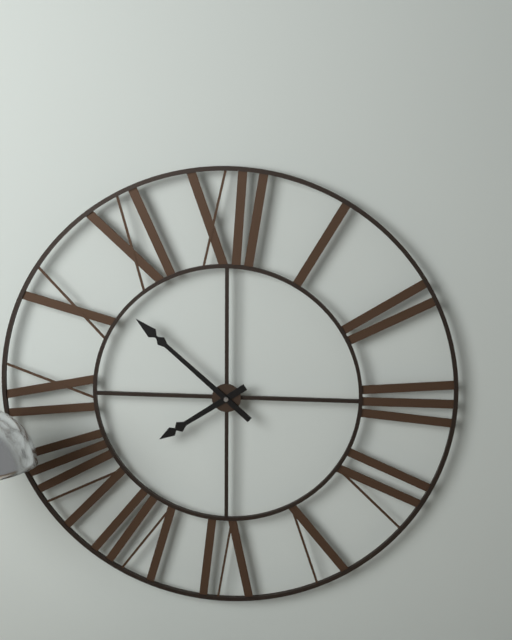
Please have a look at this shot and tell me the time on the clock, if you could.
7:52
